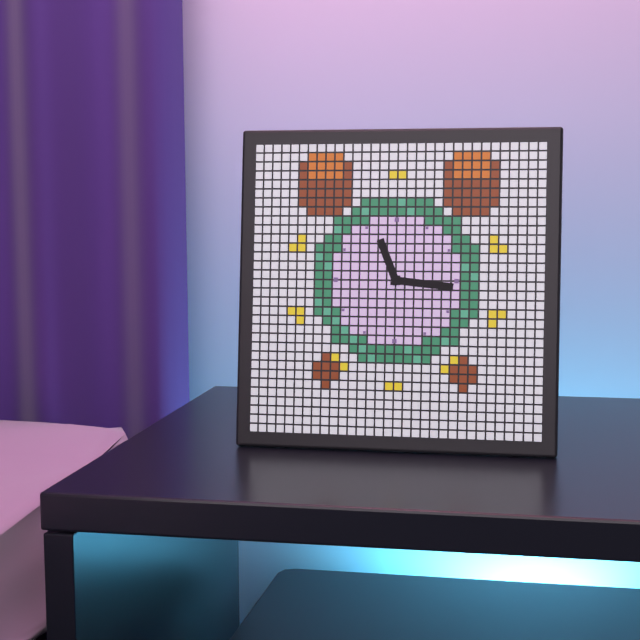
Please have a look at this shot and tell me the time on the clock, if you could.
11:16
